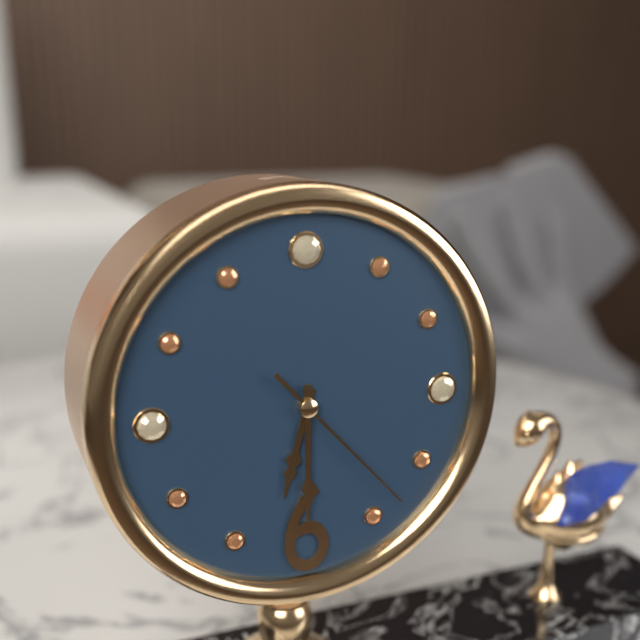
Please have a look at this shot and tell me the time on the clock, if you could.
6:30:23
